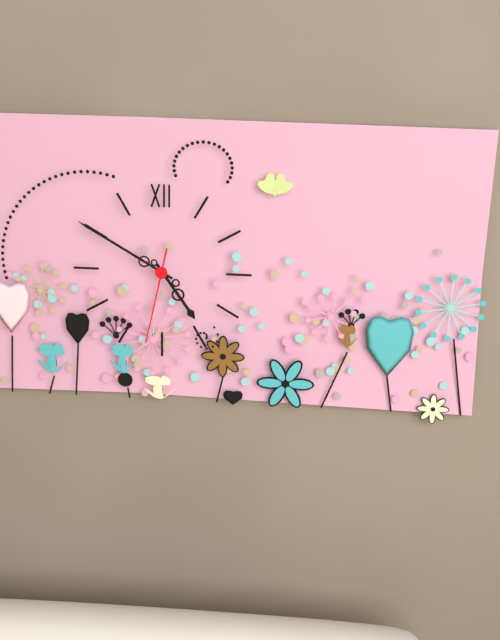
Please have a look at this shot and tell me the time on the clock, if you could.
4:50:32
